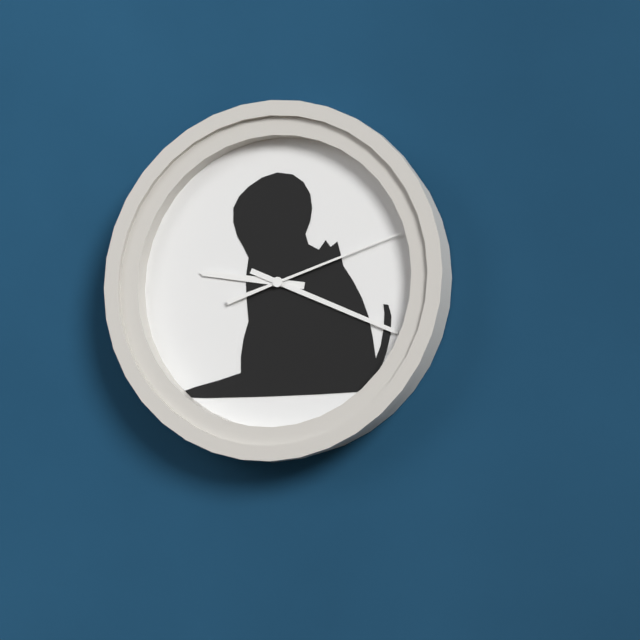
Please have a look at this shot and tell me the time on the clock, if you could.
9:19:12
